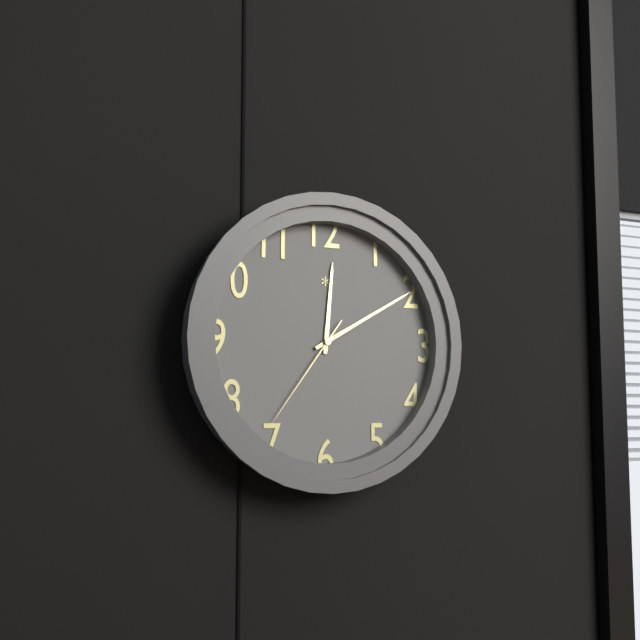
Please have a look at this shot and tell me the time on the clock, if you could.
12:10:36
